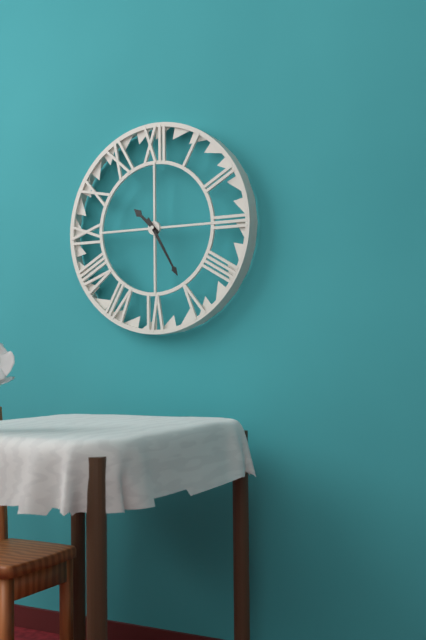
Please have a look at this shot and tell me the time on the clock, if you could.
10:25
